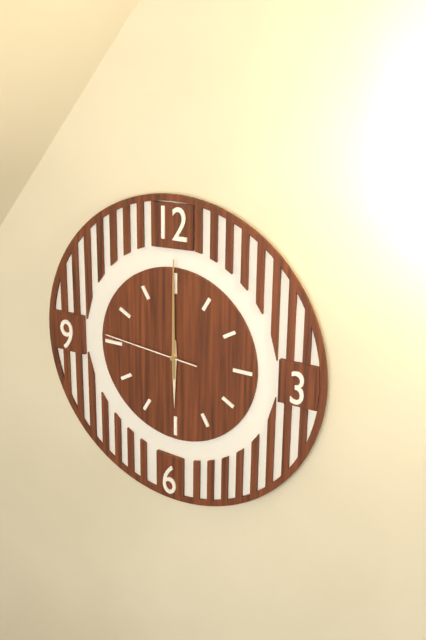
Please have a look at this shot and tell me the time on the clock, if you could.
6:00:46
